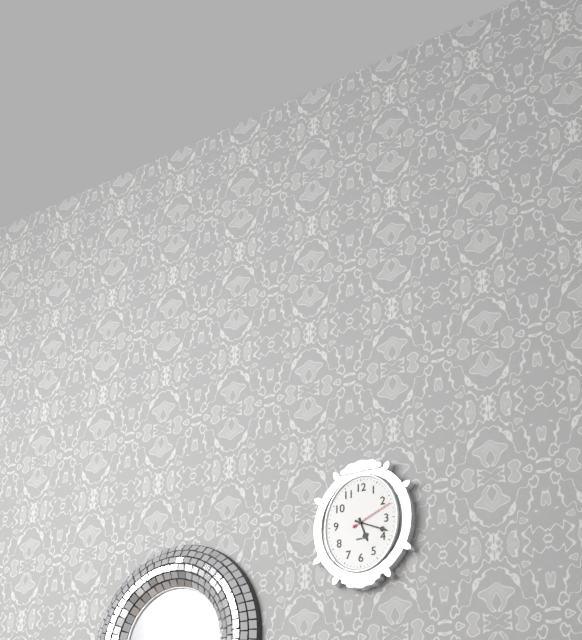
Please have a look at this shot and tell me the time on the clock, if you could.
5:19
